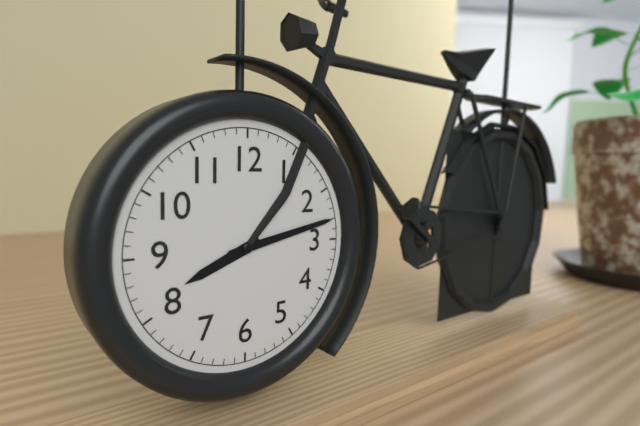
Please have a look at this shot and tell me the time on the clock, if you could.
8:13
